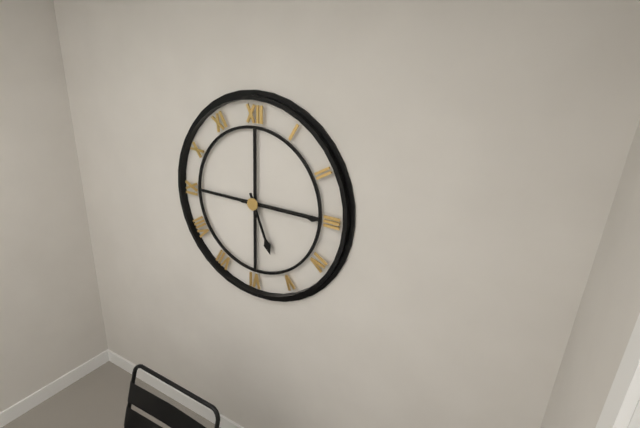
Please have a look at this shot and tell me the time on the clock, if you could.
5:15
